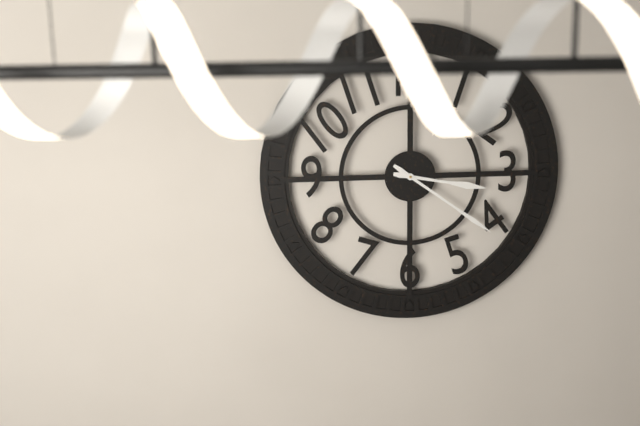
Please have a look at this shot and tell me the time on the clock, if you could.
3:21
